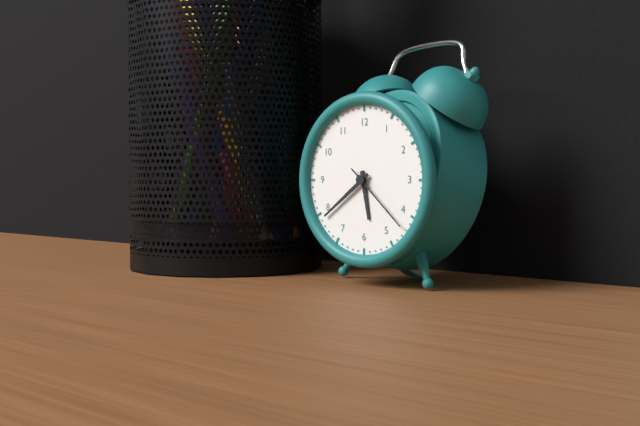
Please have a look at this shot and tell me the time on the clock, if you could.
5:39:22
